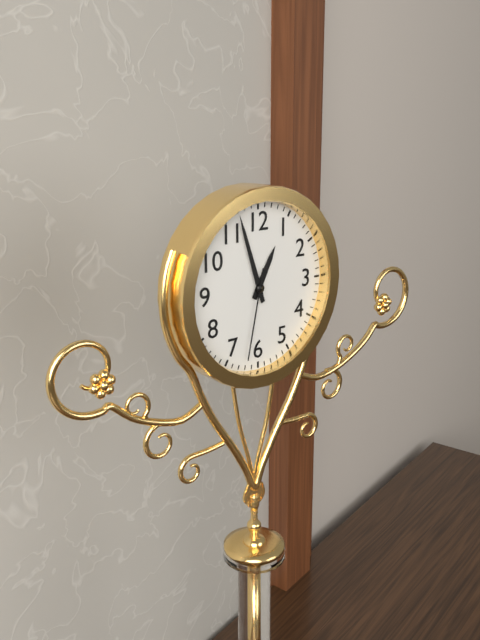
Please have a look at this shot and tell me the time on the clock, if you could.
12:57:32
